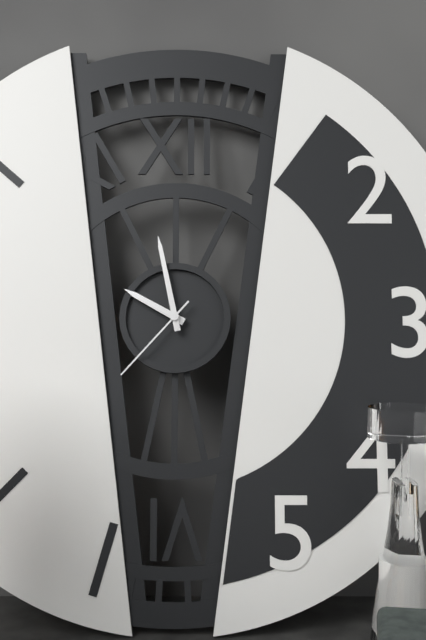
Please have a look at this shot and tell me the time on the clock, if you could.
9:58:37
